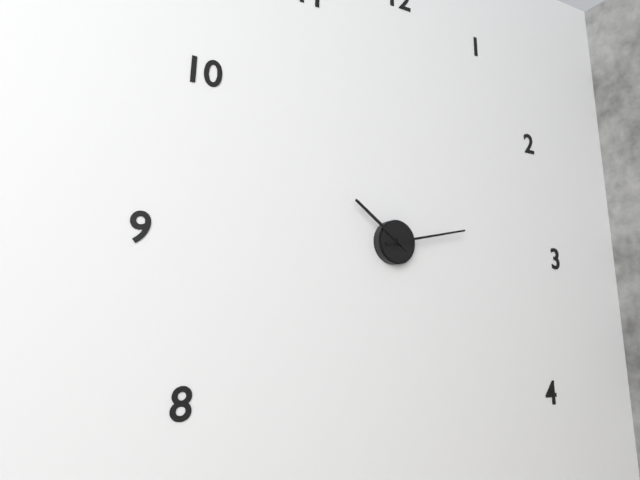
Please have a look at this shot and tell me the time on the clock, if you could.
10:13
